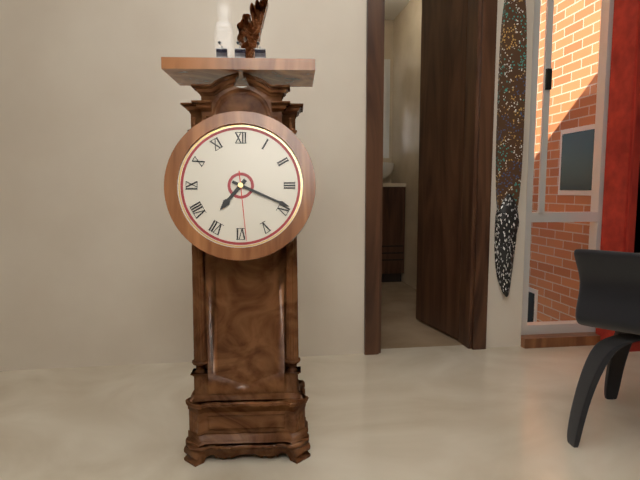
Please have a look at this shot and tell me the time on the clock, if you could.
7:19:29
